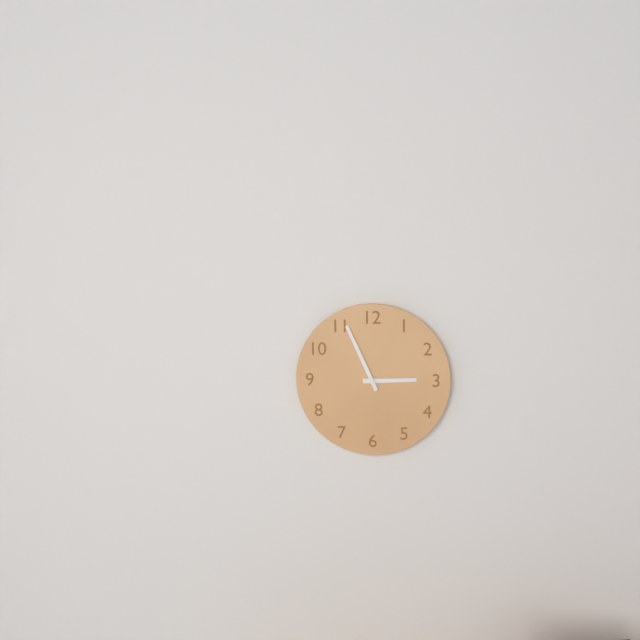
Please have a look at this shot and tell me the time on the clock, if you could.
2:56
